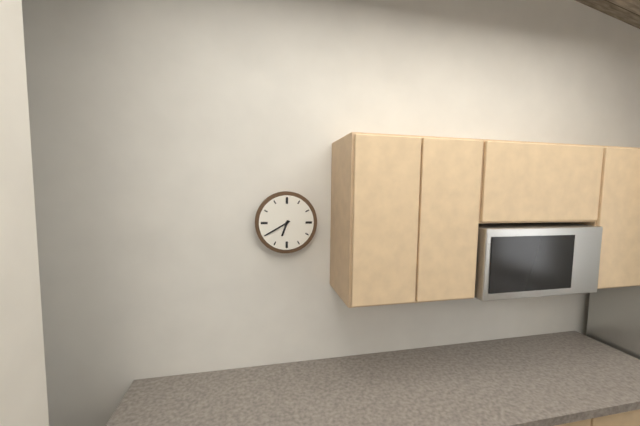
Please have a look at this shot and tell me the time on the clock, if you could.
6:40
